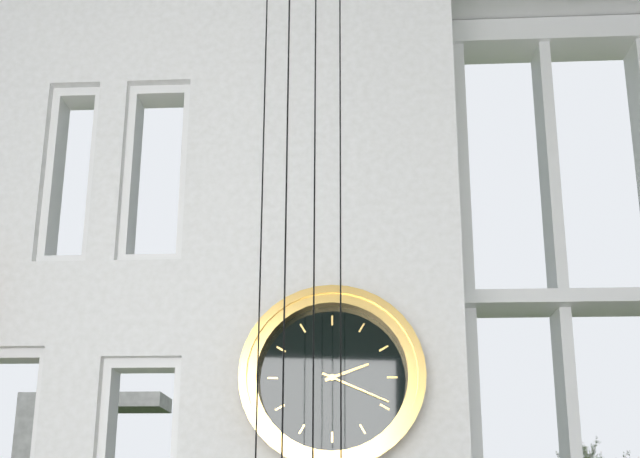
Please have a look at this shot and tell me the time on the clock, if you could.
2:19
